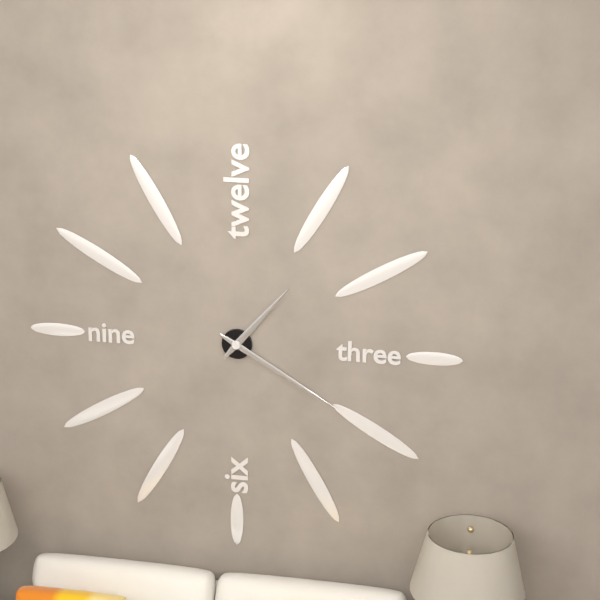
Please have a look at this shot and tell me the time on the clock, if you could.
1:20
